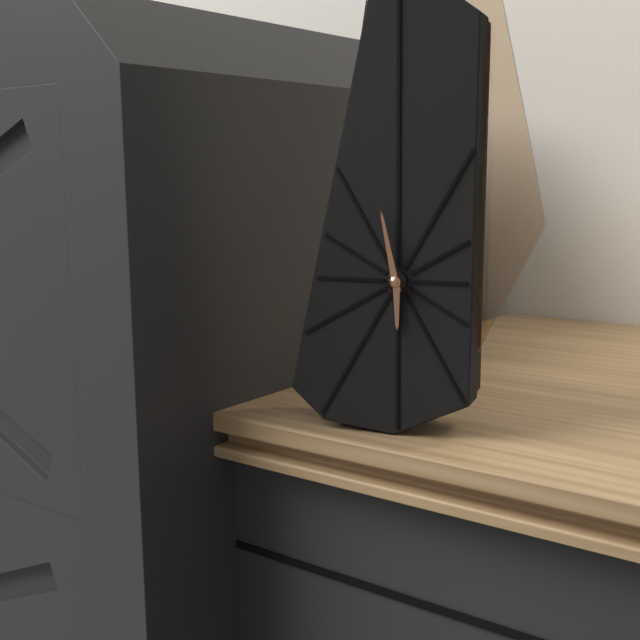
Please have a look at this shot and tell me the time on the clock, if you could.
5:58
